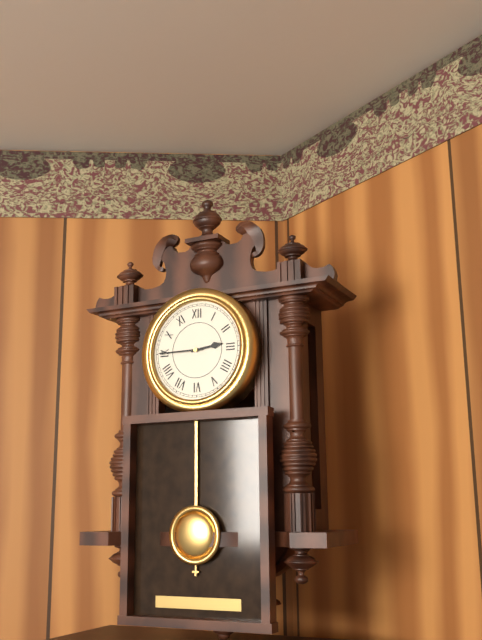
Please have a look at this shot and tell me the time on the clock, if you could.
2:45
